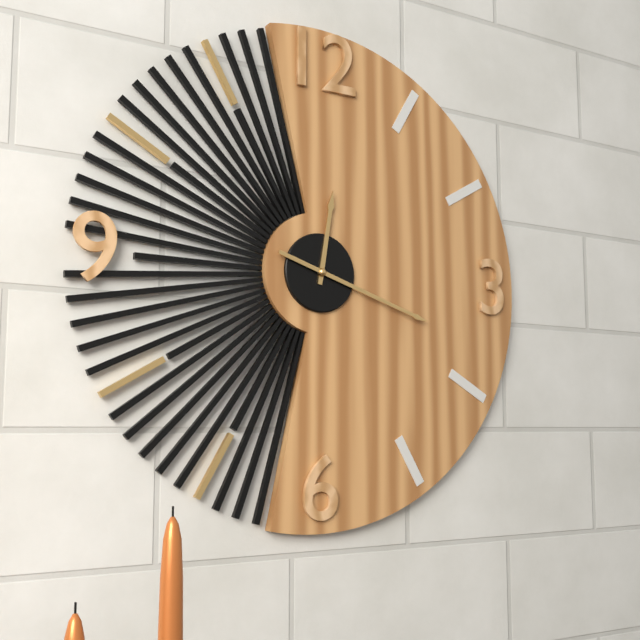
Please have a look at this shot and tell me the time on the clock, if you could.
12:18
